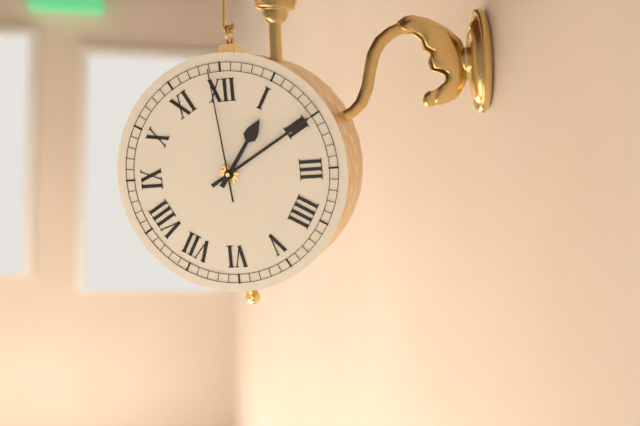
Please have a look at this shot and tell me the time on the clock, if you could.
1:10:59
